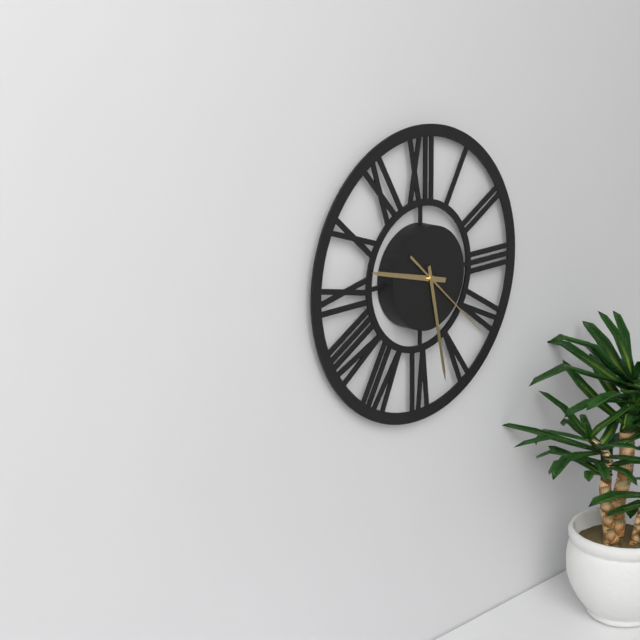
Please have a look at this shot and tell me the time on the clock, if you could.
9:28:22
